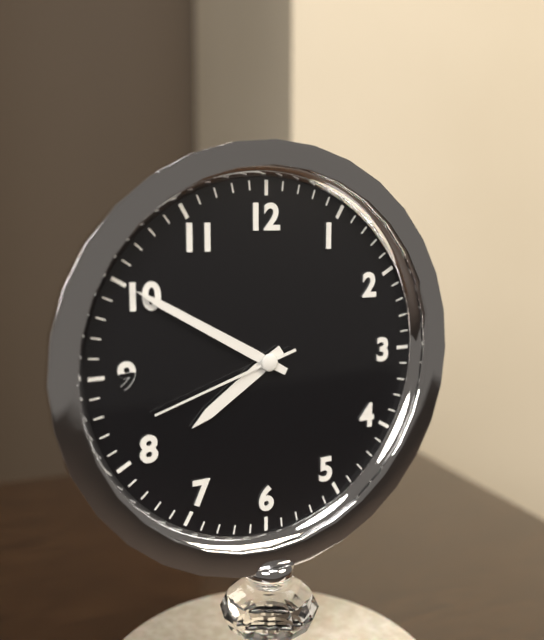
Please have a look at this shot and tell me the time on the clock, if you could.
7:50:42
